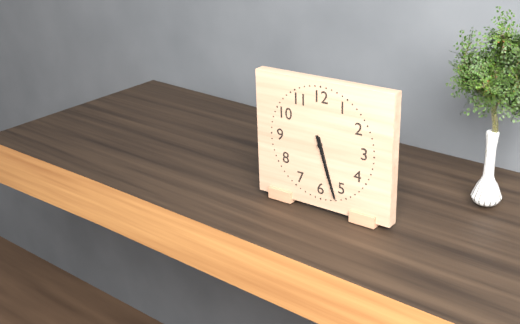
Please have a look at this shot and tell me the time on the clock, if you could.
5:27
